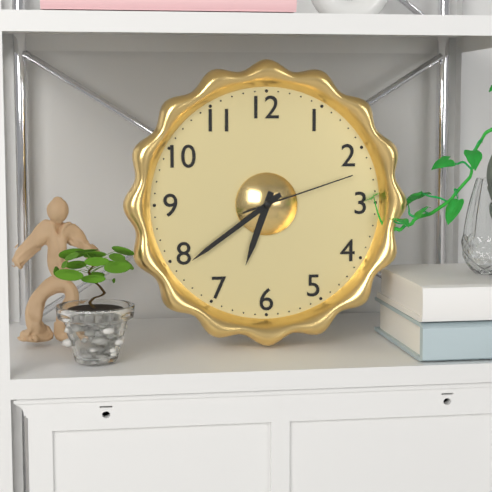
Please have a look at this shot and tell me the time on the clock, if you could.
6:39:12
